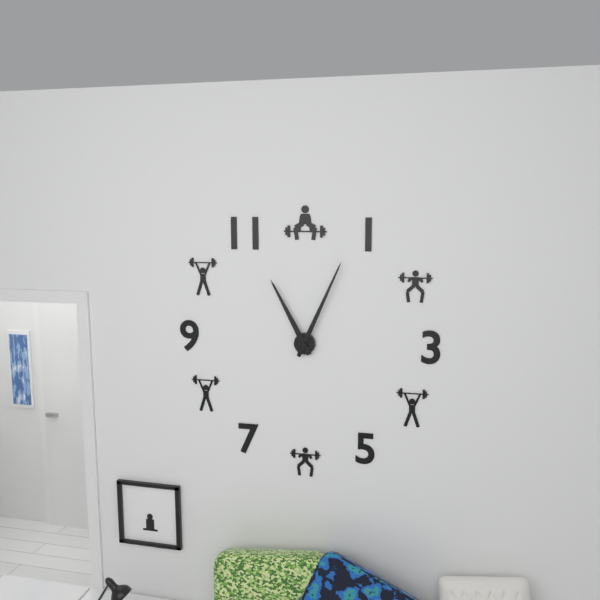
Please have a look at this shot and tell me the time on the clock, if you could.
11:04
